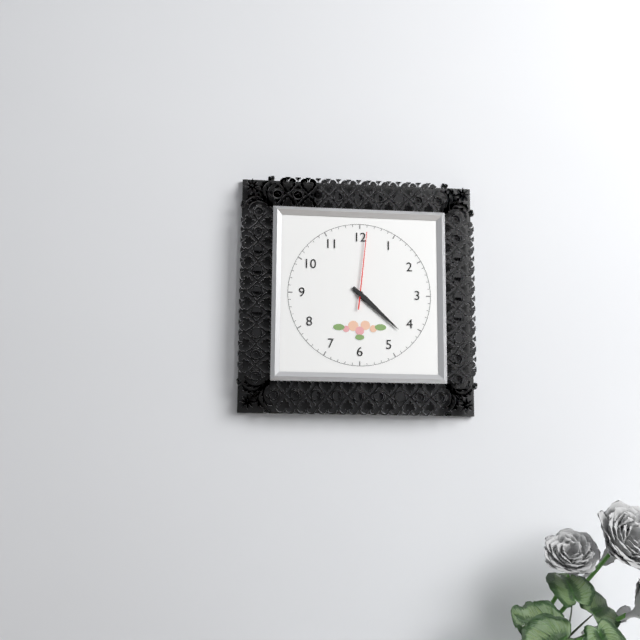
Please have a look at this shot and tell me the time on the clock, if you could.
4:22:01
